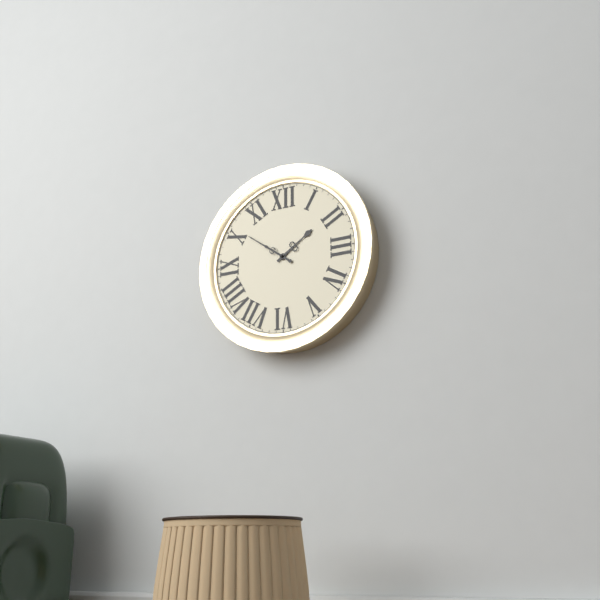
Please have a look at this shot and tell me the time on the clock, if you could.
1:51
